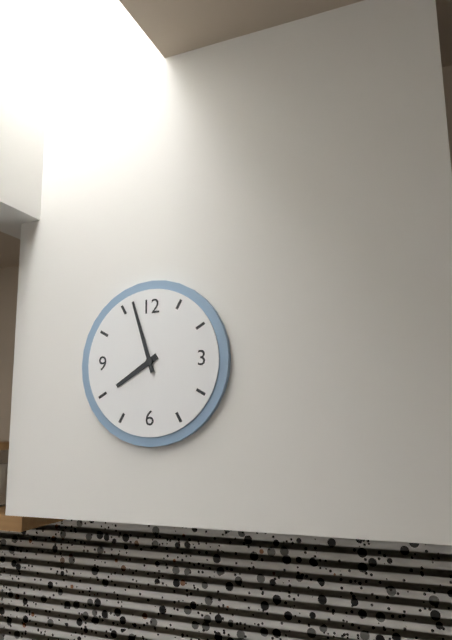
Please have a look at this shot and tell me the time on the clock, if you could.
7:57
